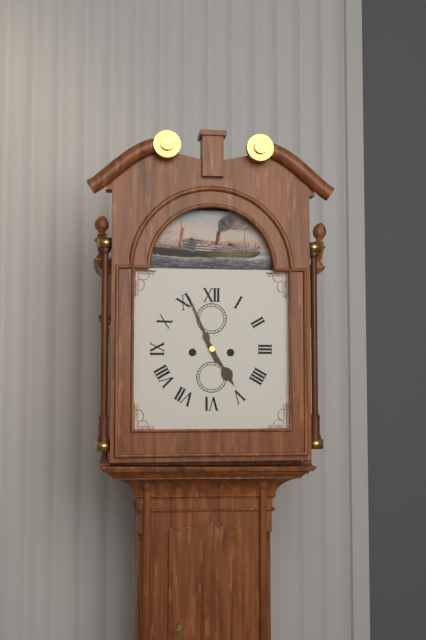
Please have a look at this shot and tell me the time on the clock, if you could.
4:56
